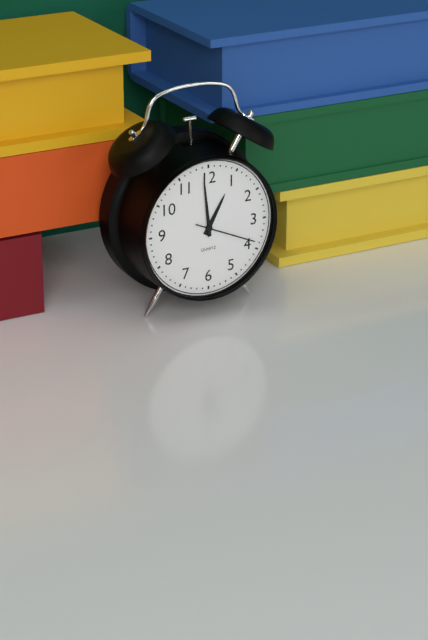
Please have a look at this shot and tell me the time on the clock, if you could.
12:59:19
